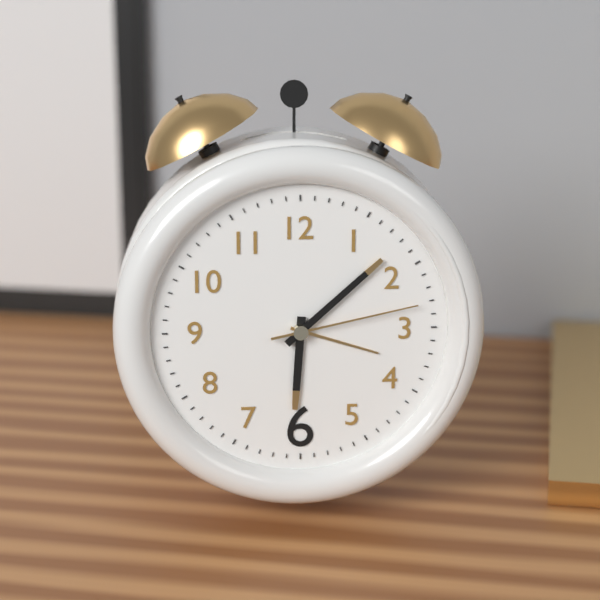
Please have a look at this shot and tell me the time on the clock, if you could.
6:08:13
